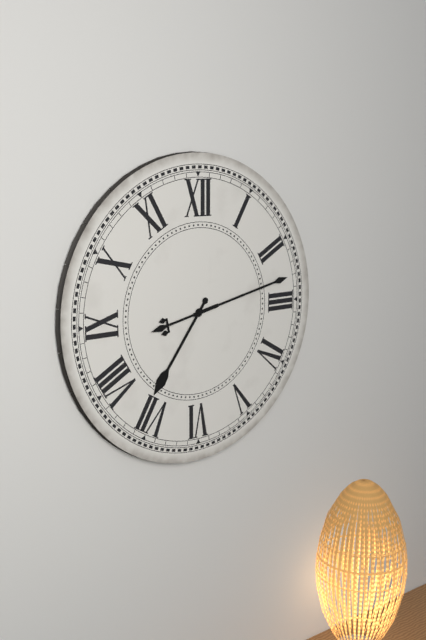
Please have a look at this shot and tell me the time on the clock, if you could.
7:13
